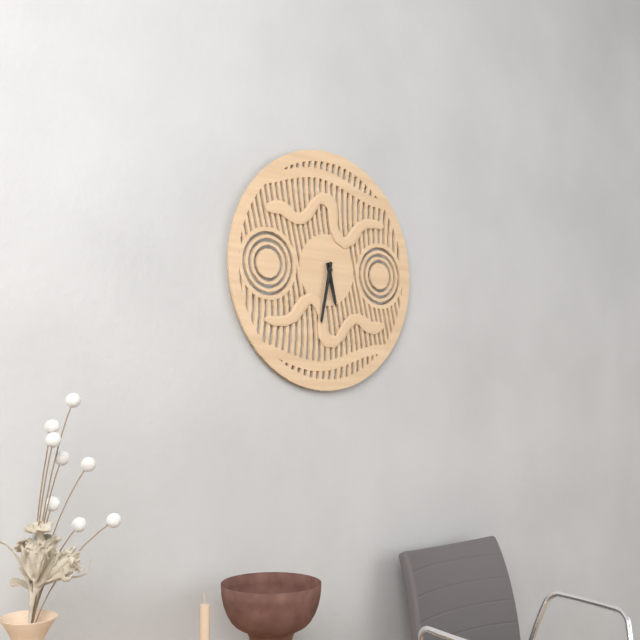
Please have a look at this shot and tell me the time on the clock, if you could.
5:32
